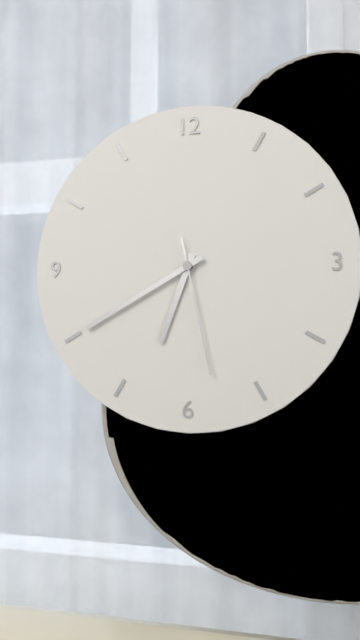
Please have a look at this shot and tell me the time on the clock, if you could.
6:40:28
